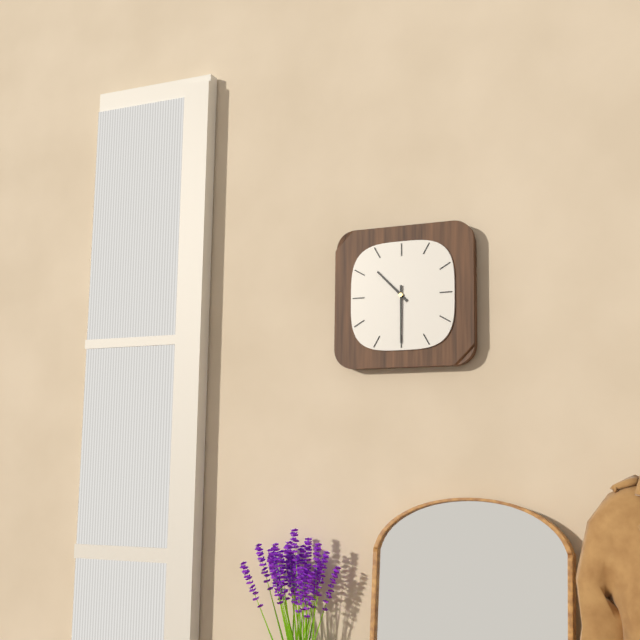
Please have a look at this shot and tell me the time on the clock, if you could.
10:30
